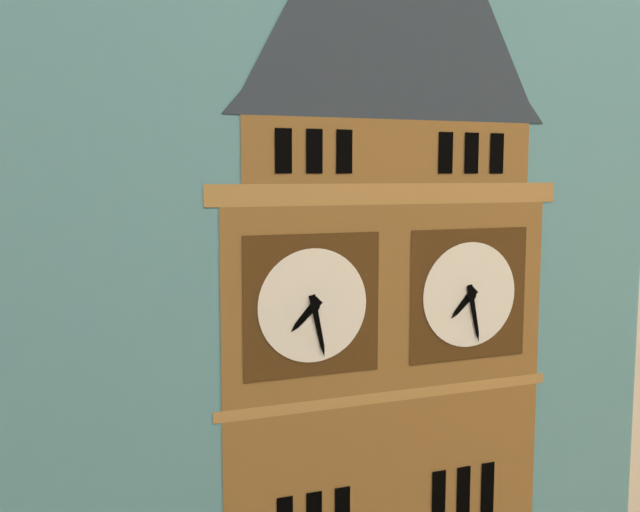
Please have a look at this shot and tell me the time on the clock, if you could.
7:28
